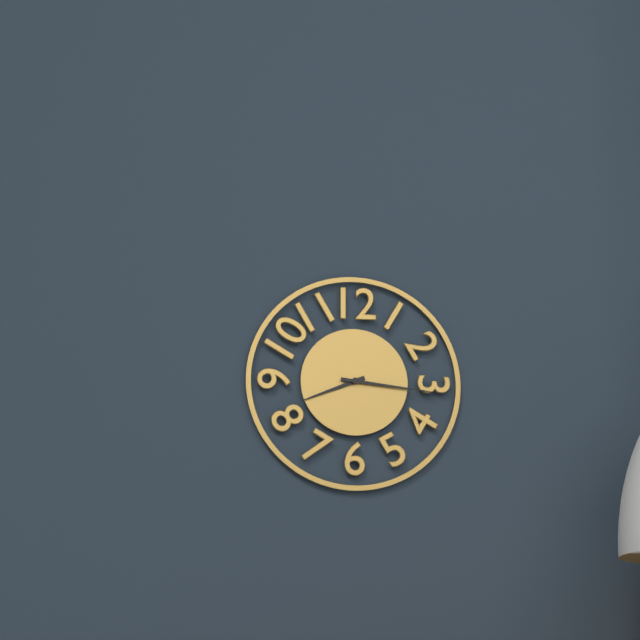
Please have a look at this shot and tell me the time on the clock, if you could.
8:16
